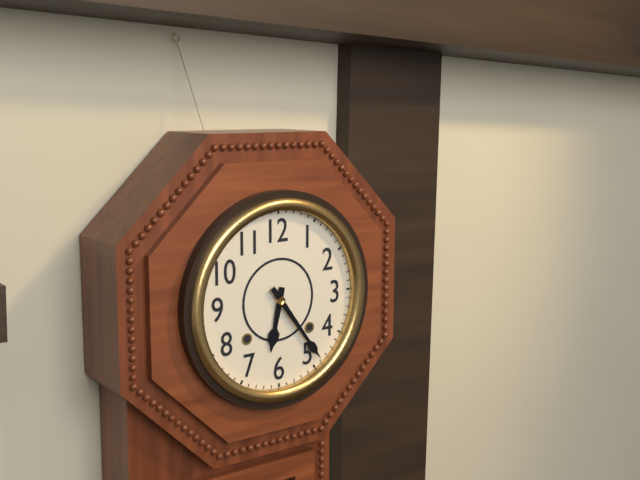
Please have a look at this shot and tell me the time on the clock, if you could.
6:24
